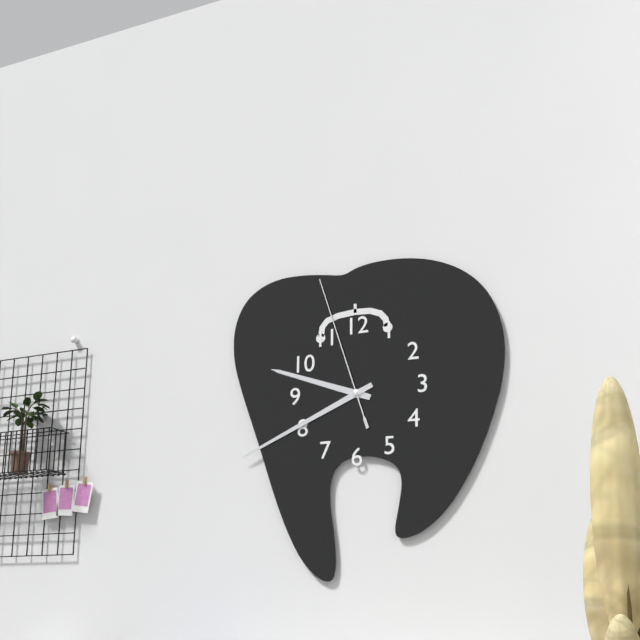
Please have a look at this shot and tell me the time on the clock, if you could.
9:41:57
